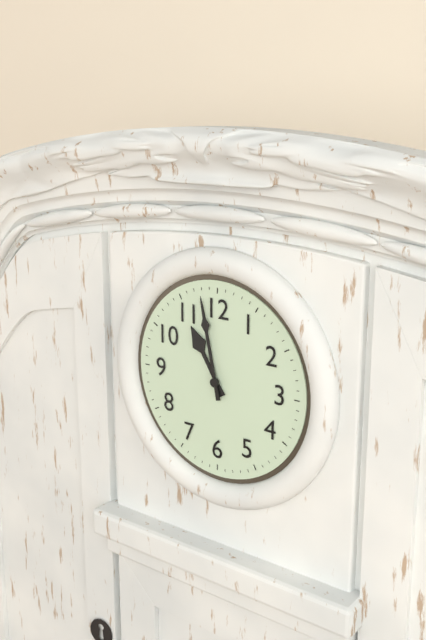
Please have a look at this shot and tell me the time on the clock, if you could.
10:58
